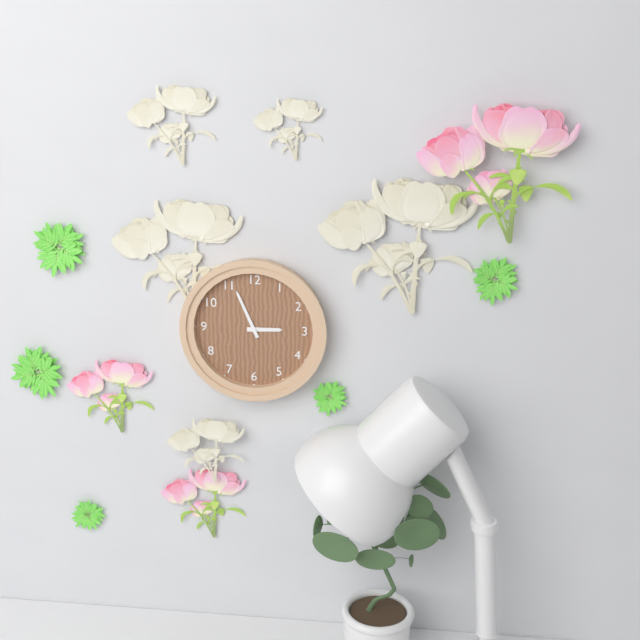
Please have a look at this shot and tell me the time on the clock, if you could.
2:56
